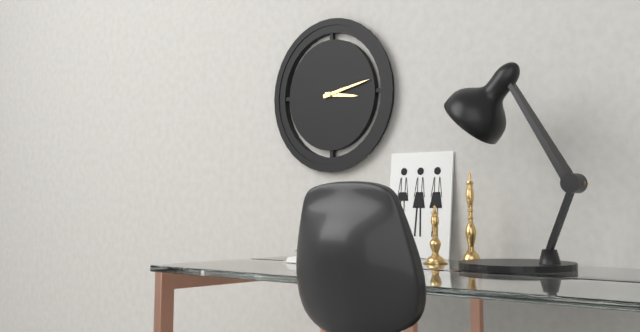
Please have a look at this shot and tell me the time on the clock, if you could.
3:13
